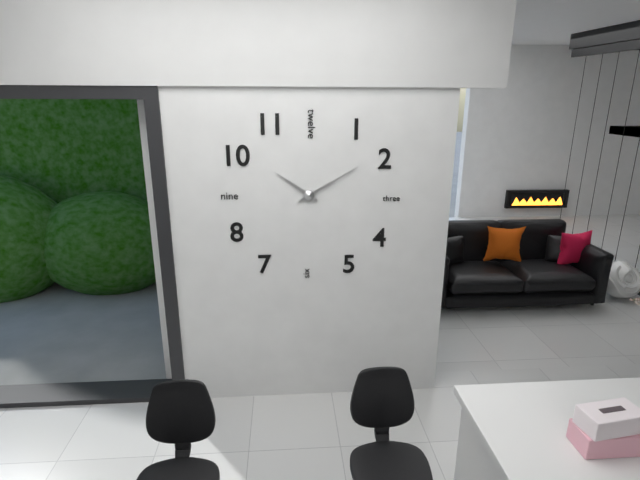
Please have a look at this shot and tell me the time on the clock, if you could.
10:10
